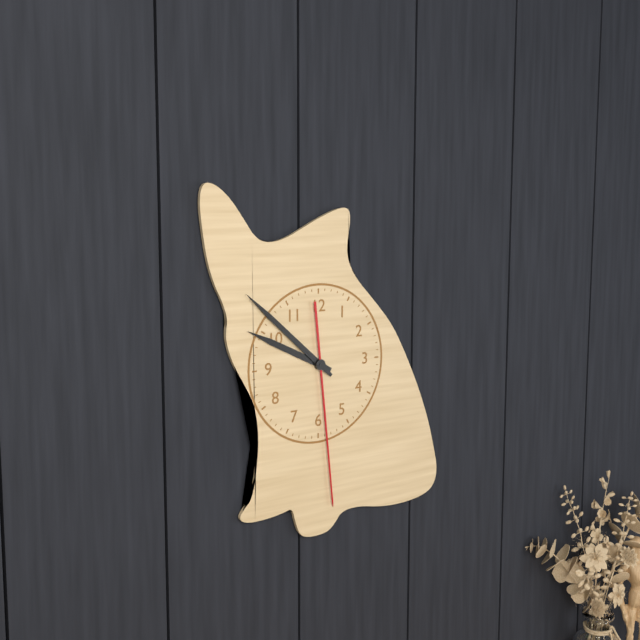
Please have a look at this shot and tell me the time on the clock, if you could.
9:52:29
